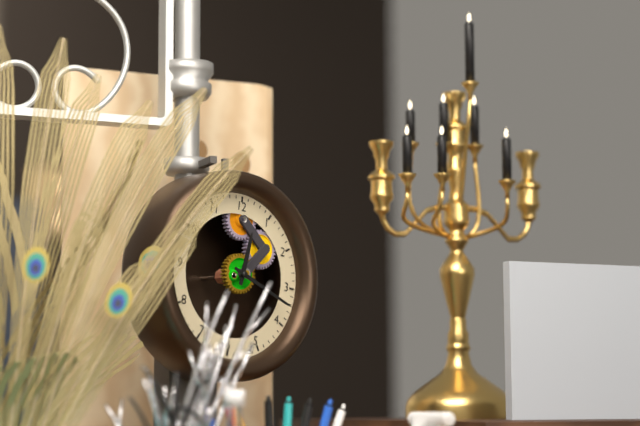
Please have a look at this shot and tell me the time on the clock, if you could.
12:18
